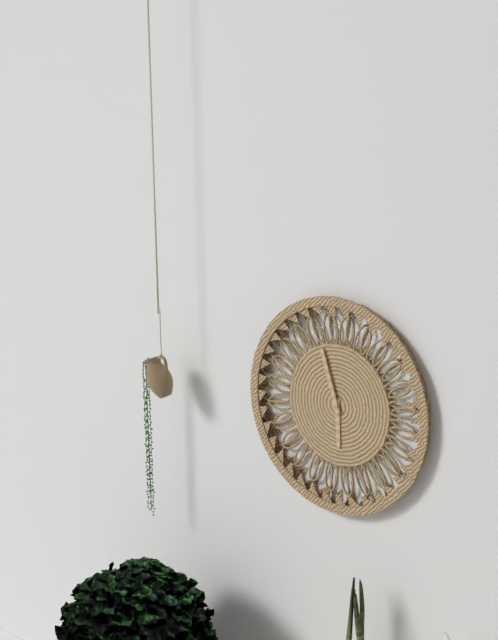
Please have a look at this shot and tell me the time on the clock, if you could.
5:57
